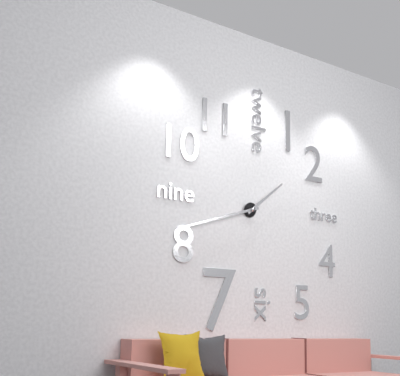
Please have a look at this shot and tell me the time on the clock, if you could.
1:42
